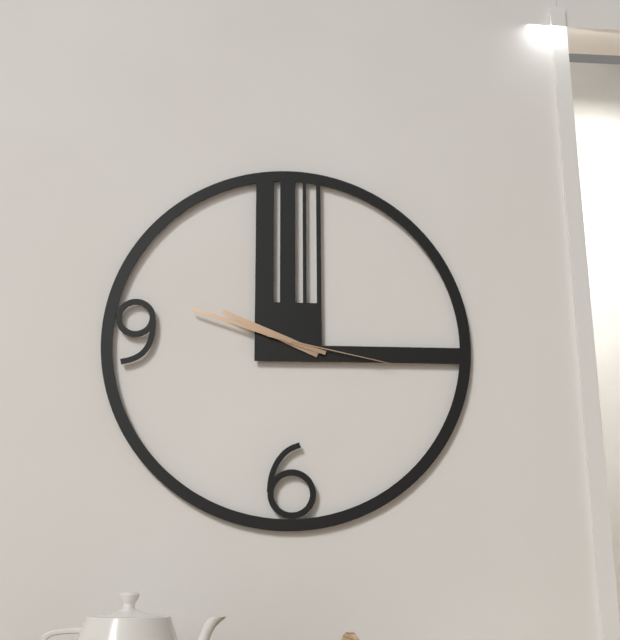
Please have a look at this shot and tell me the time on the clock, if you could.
9:48:17
